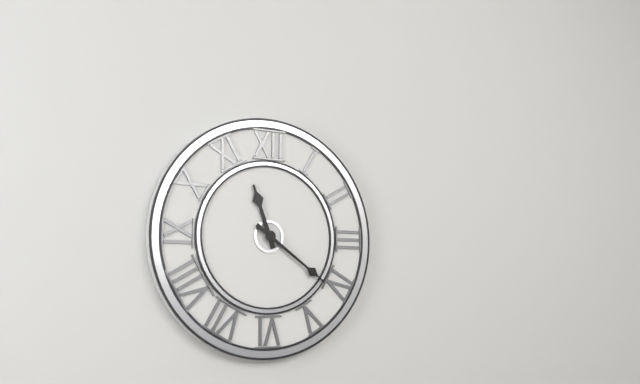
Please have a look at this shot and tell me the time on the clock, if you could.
11:21
